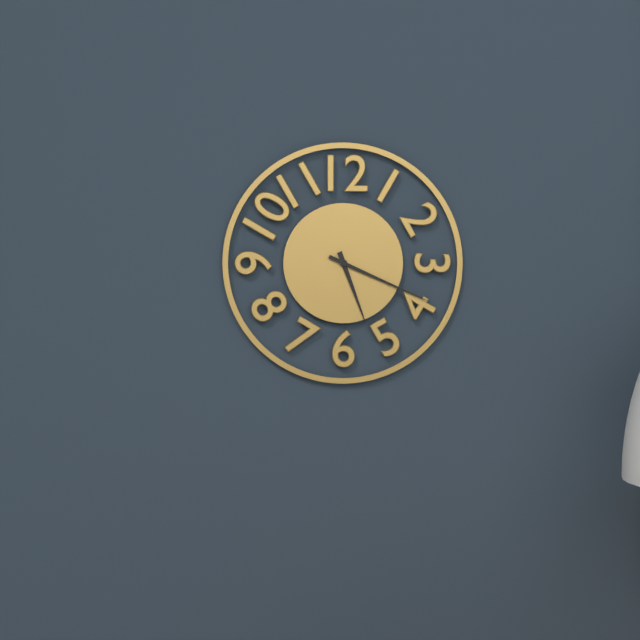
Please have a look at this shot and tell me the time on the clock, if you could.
5:19
